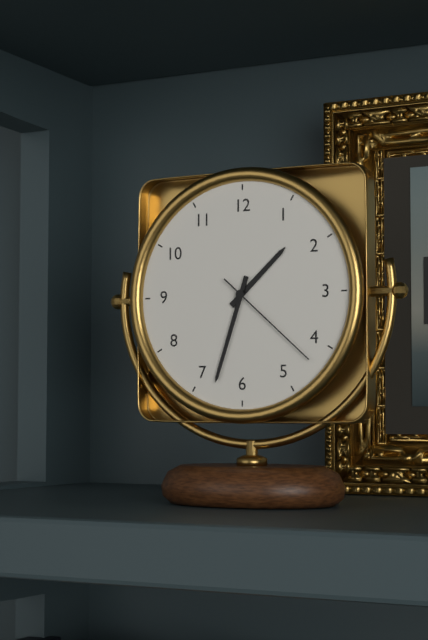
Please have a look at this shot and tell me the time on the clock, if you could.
1:33:22
